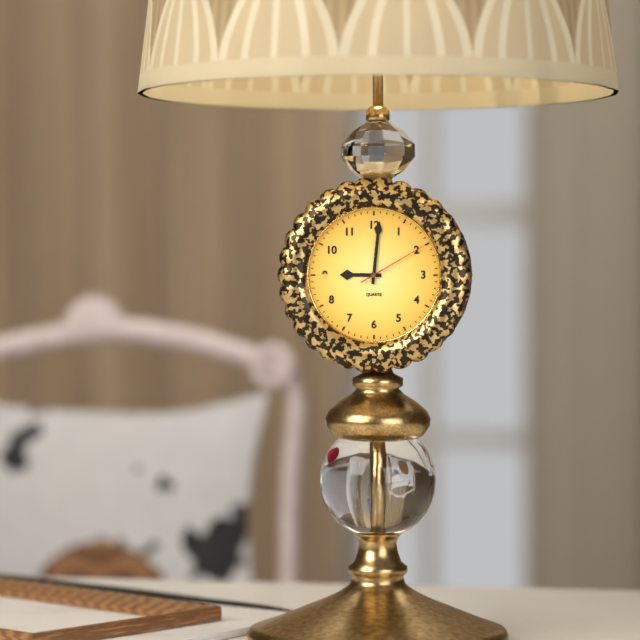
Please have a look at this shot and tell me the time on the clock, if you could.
9:01:10
